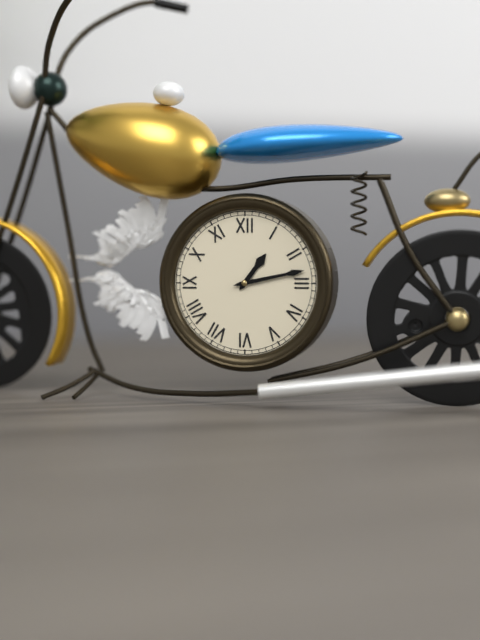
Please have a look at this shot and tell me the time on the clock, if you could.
1:13
